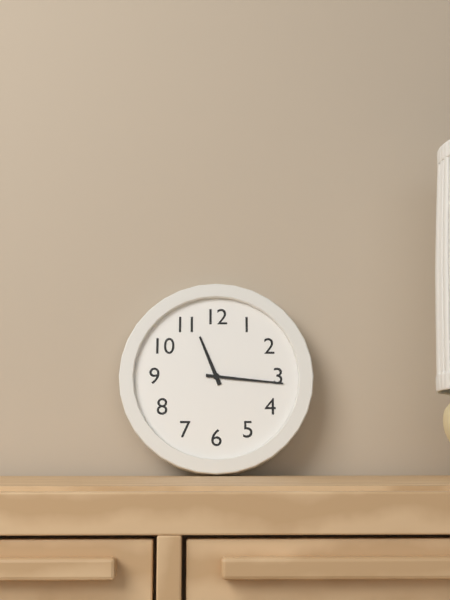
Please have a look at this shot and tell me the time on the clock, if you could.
11:16
